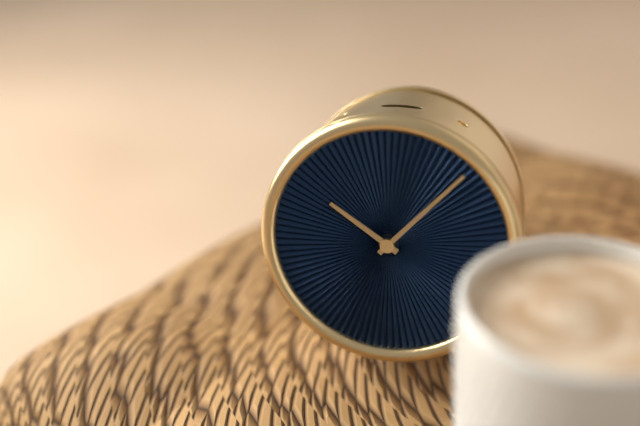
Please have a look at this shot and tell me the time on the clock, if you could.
10:07
